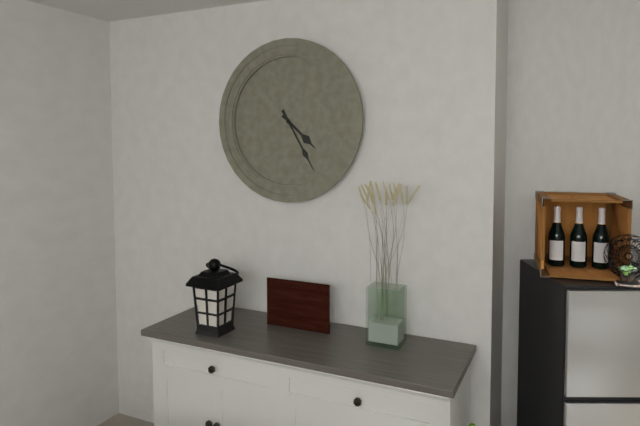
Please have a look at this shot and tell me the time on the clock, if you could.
4:25
